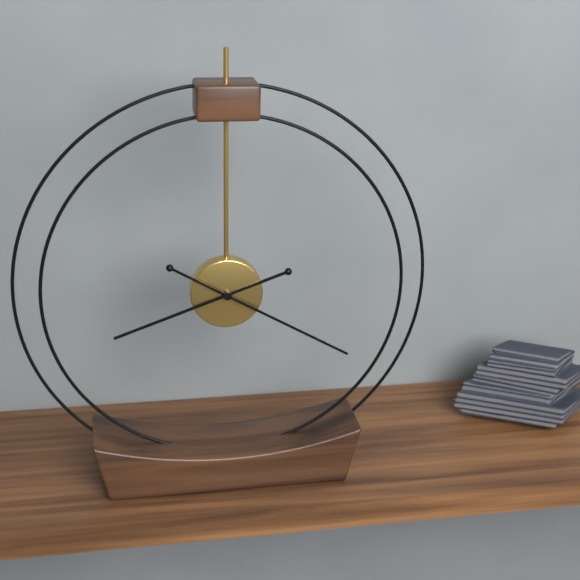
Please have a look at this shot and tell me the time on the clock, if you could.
8:20
